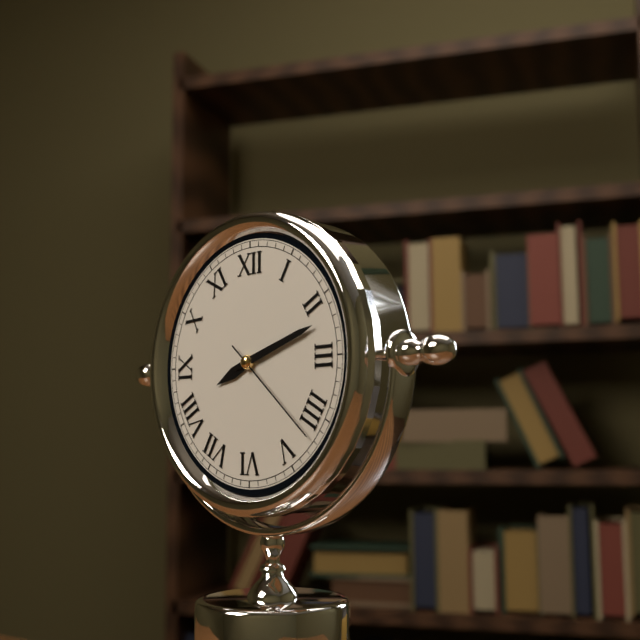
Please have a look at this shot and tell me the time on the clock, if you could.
8:12:22
